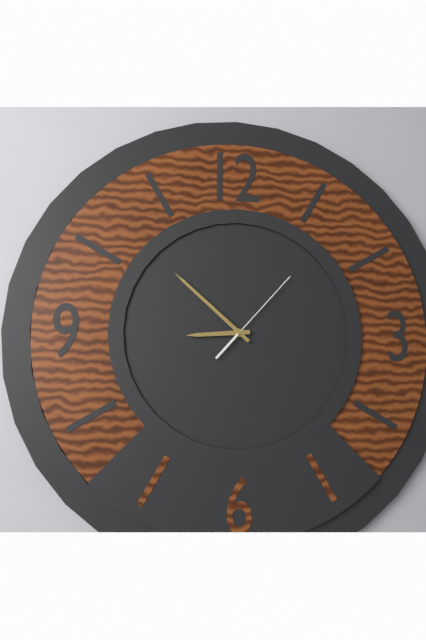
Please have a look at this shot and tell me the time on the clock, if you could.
8:52:07
